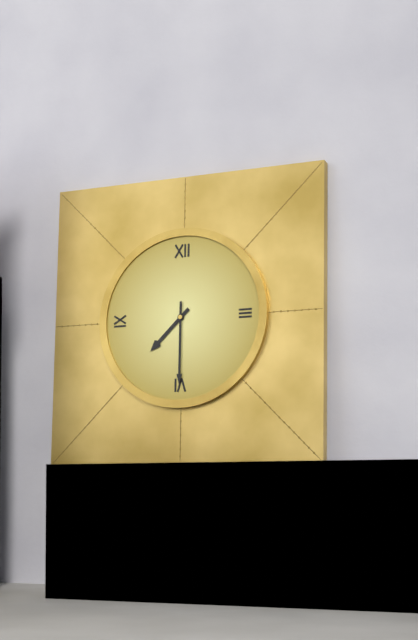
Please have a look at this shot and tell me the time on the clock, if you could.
7:30
